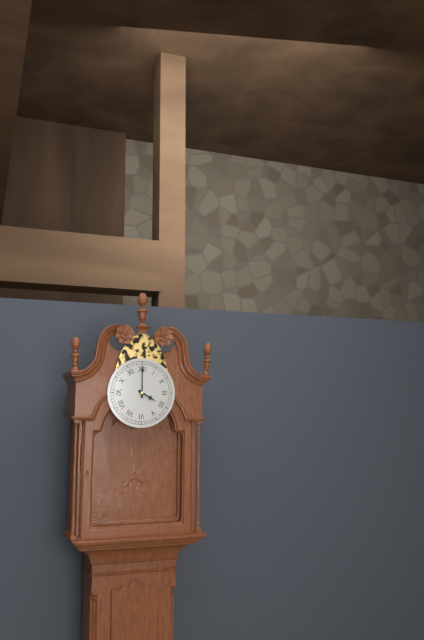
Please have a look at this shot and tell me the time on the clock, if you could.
4:00
